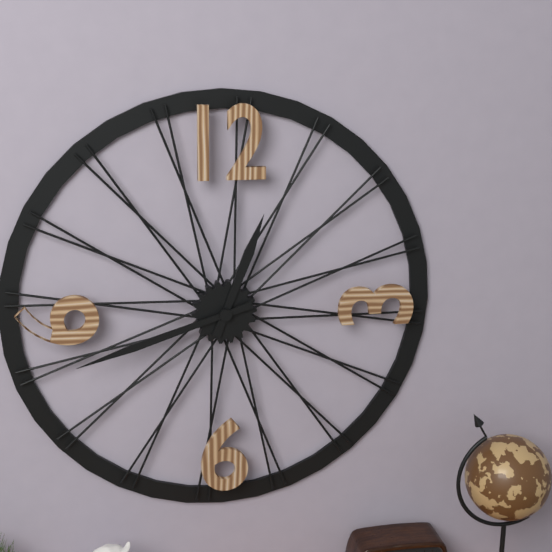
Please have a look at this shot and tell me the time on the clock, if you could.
12:42
